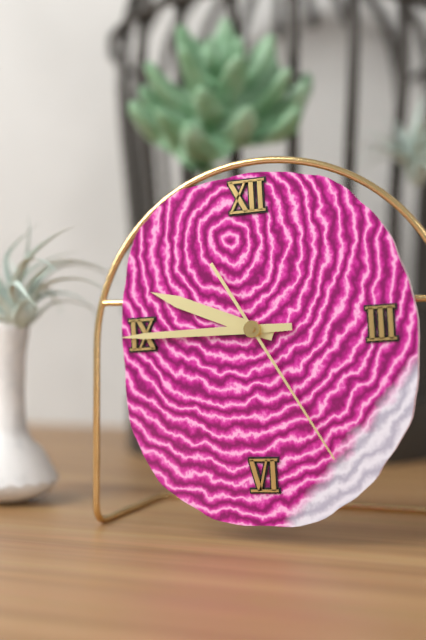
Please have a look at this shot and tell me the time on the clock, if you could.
9:45:25
